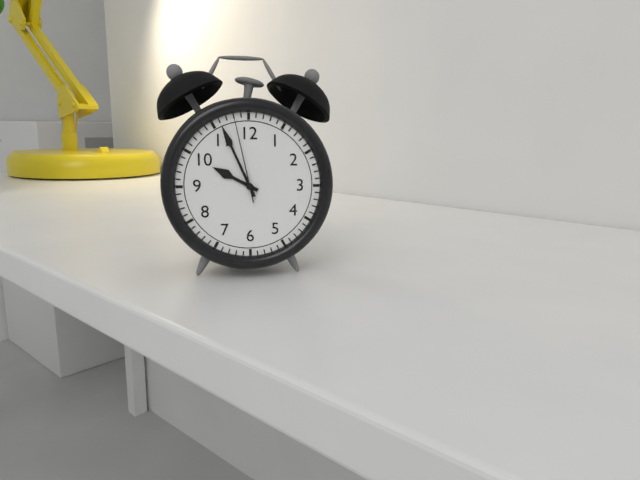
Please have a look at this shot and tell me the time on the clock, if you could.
9:56:58
